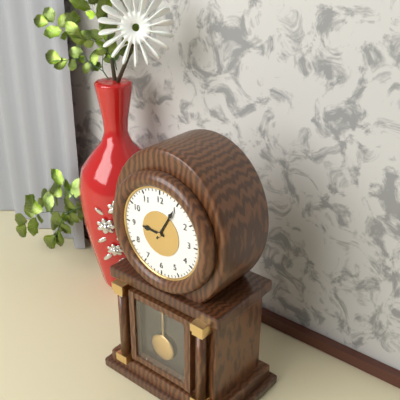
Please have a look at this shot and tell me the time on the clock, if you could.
9:05
